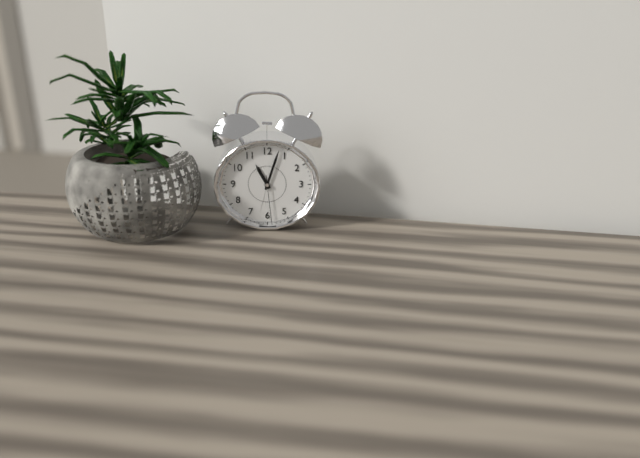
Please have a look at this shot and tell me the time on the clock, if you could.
11:03
